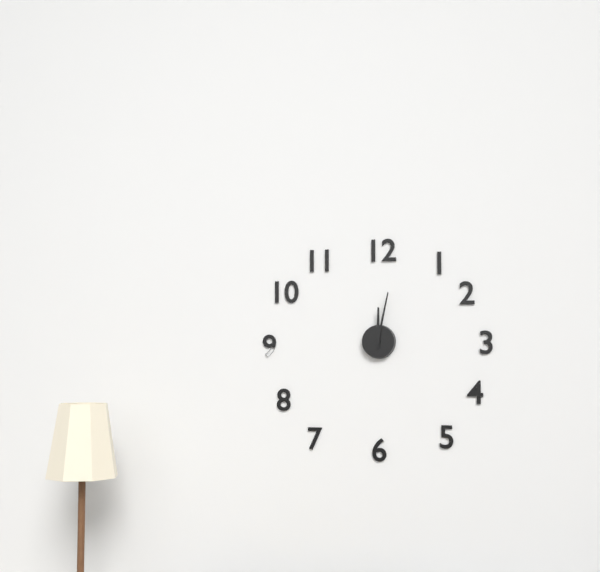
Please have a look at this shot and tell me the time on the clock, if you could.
12:02
